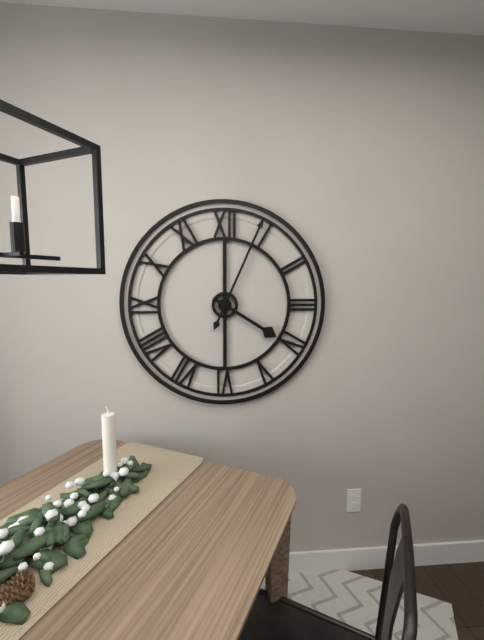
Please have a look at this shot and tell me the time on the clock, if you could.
4:04
